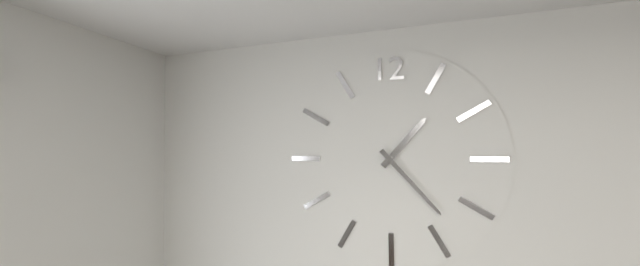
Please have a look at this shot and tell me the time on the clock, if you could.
1:23
